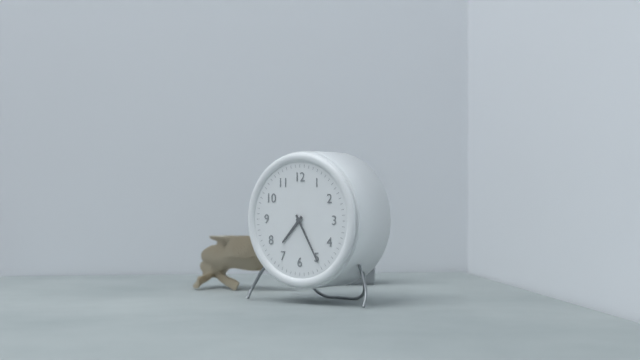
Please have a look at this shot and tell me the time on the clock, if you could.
7:25
